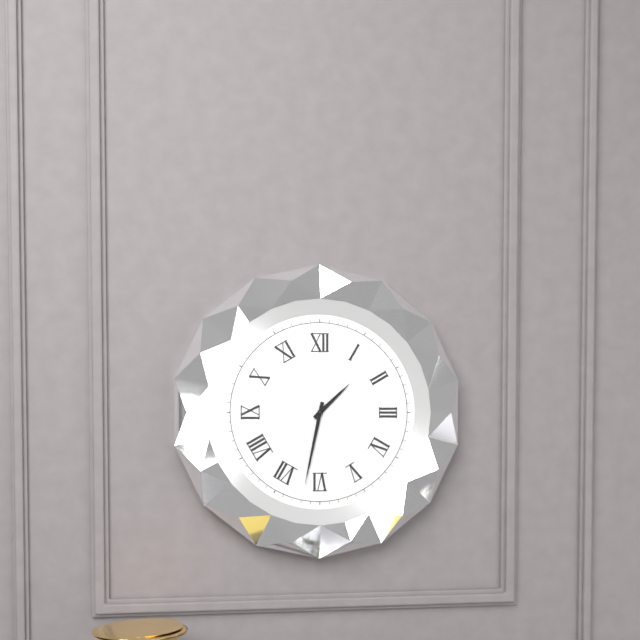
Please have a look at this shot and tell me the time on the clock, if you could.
1:32
